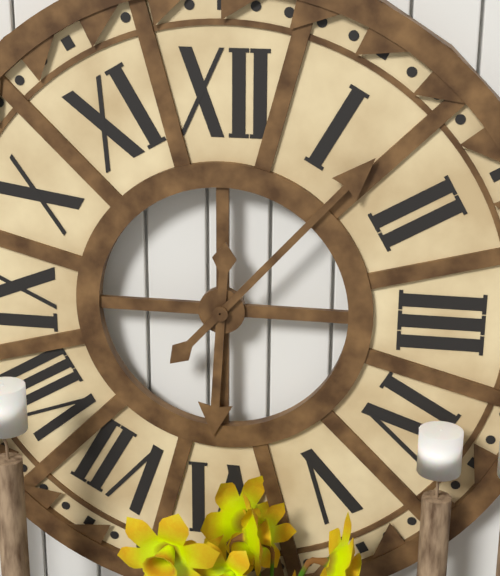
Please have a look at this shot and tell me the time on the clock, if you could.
6:07
